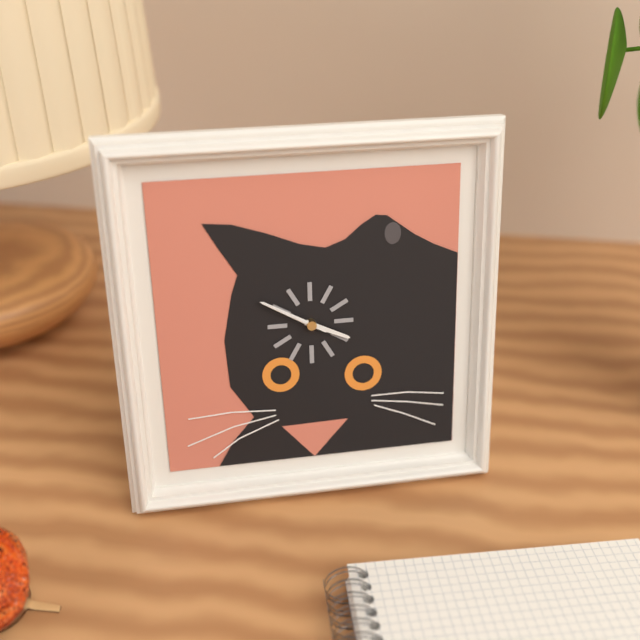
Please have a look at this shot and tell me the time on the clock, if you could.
3:50:50
